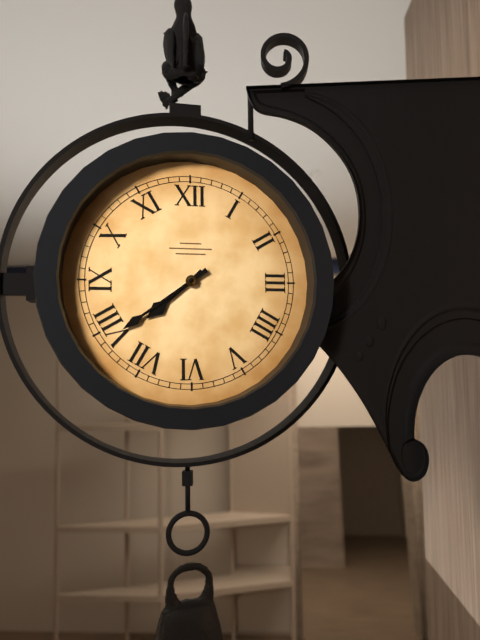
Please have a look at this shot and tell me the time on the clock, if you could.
7:39
